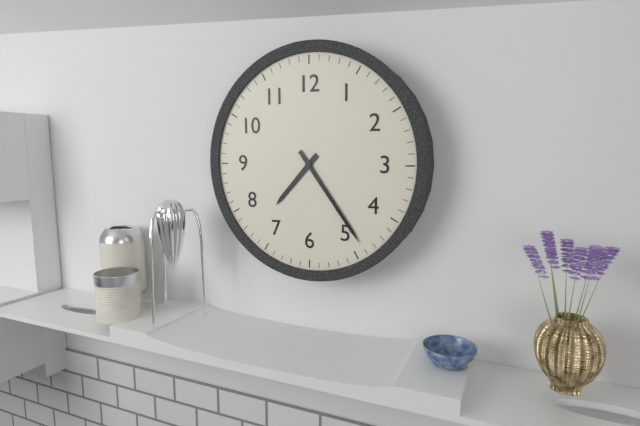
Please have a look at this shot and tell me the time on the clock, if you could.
7:24
